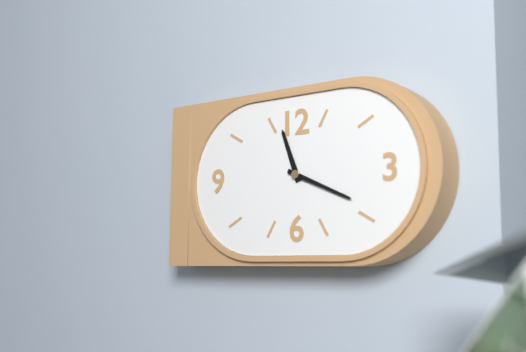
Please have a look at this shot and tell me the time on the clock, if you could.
11:19
